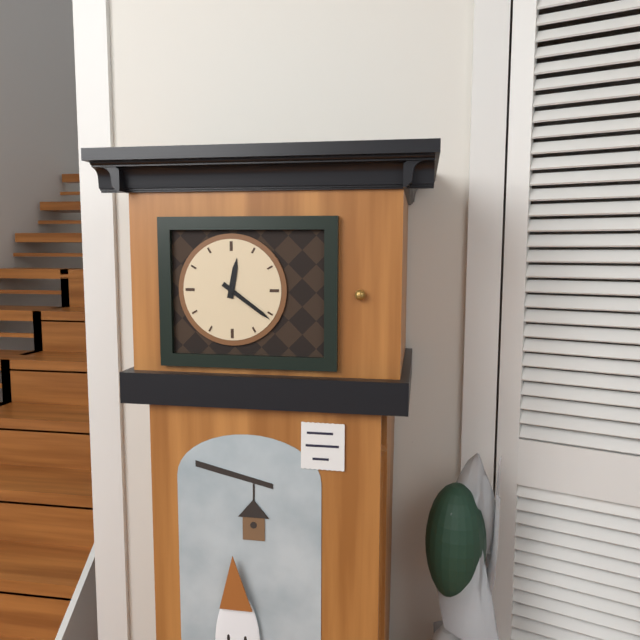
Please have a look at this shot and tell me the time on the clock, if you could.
12:21
